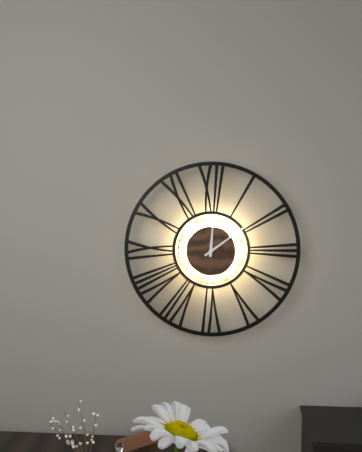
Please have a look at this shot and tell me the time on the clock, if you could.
12:09
